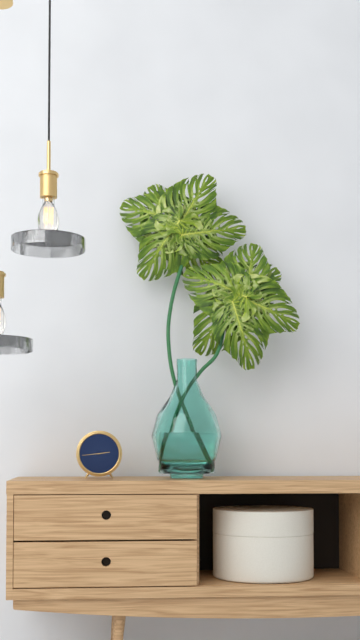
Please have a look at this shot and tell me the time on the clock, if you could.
2:44
